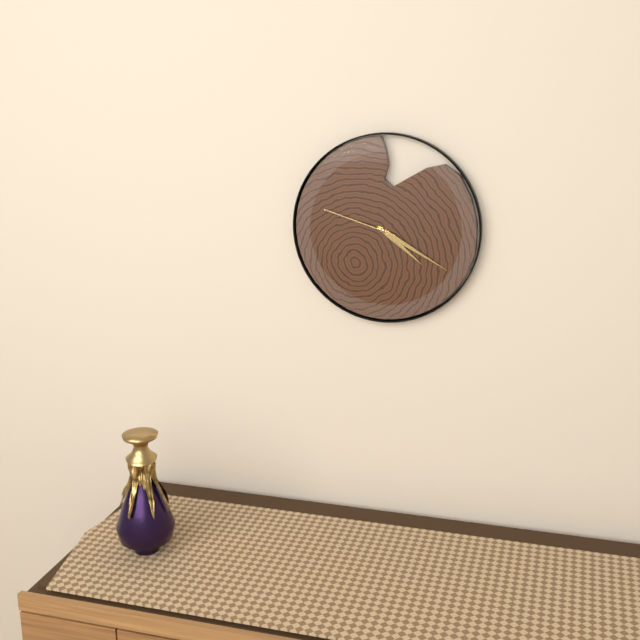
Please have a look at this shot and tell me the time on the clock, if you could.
4:20:48
